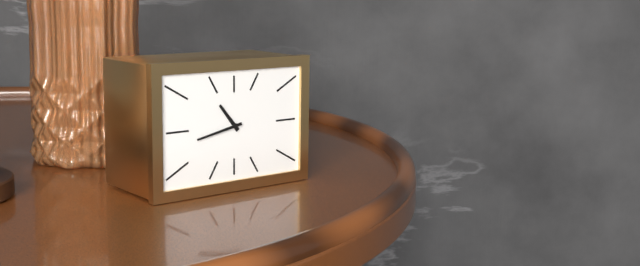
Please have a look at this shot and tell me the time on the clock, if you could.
10:43
